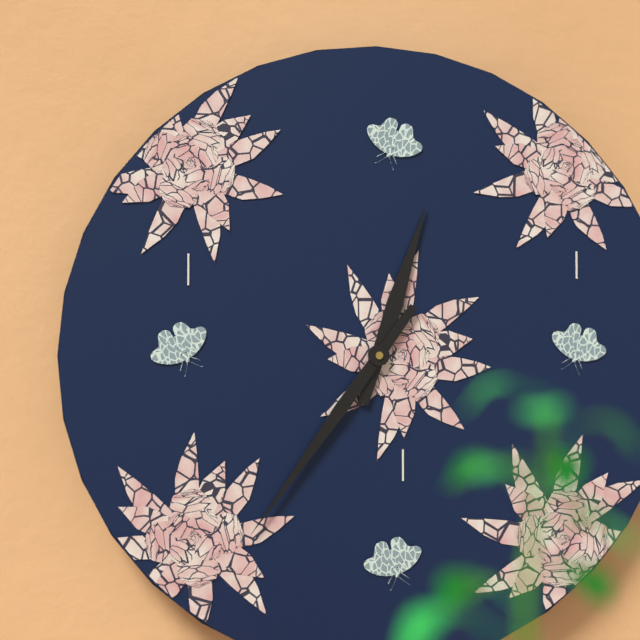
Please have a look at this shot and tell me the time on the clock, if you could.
12:36
